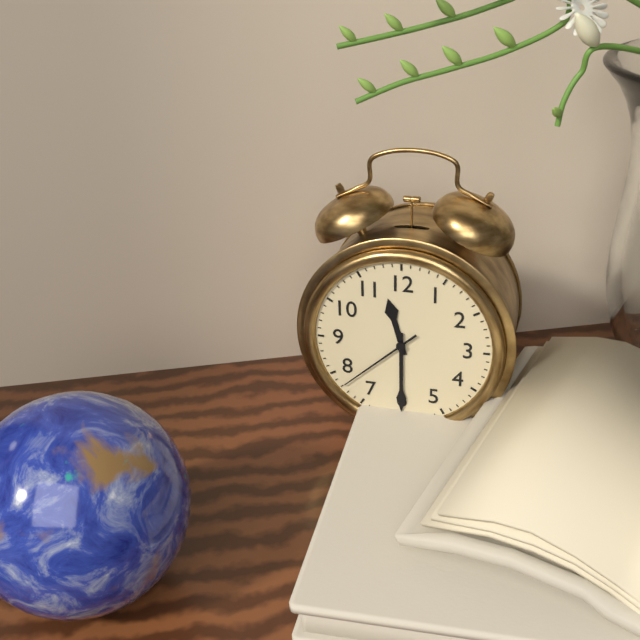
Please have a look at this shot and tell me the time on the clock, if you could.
11:30:38
